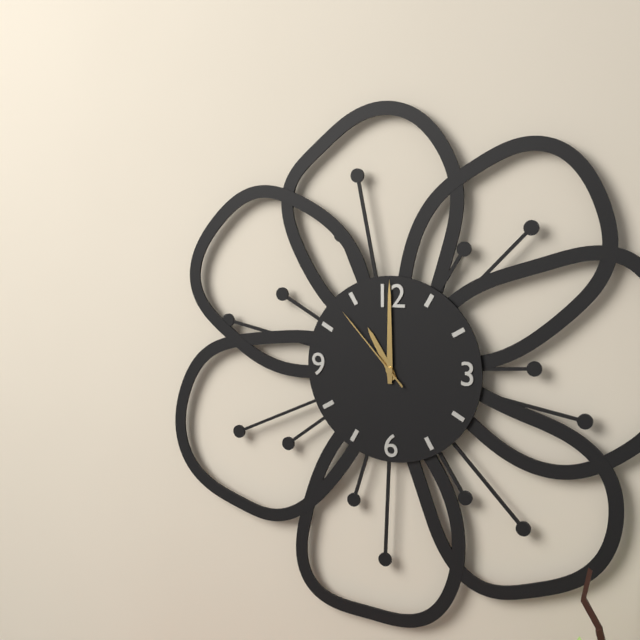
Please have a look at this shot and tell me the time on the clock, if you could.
11:00:53
